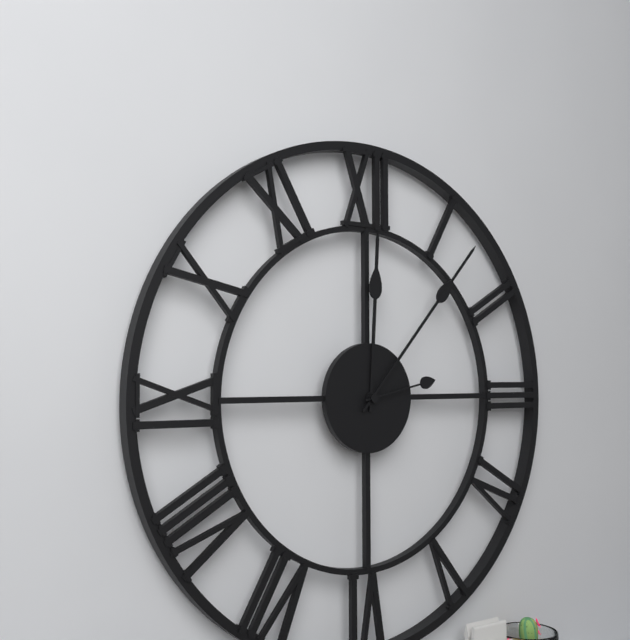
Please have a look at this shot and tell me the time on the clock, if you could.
12:07:13
